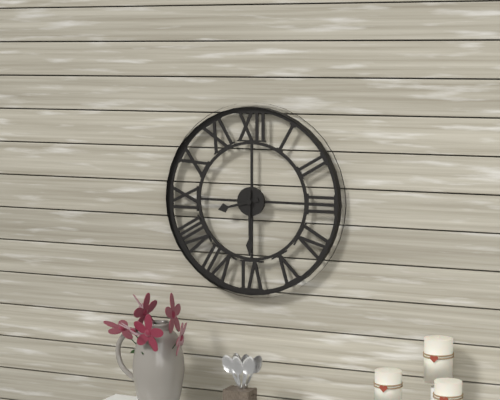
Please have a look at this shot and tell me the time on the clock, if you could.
8:30
